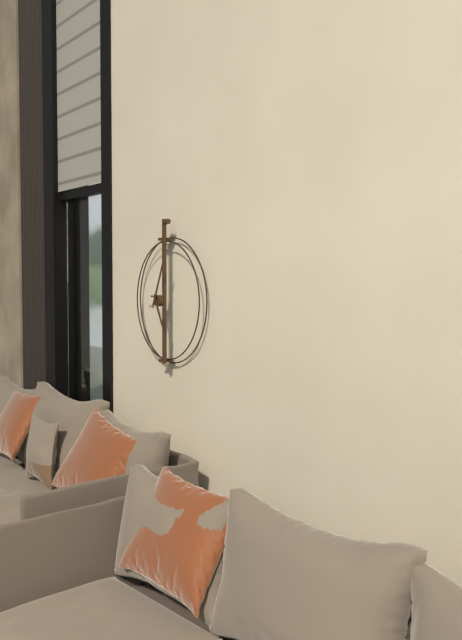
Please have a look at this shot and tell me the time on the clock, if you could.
5:04
